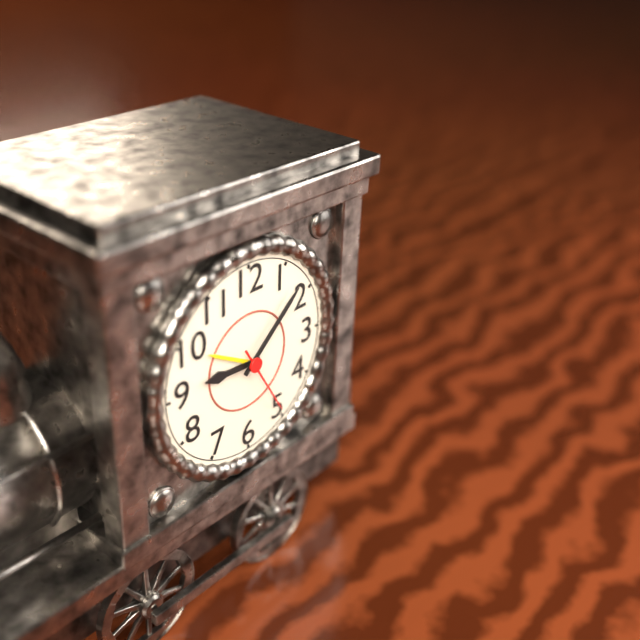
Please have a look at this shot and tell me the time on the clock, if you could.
9:08:25
